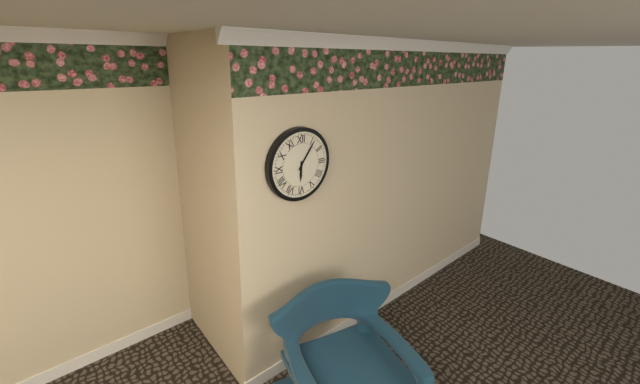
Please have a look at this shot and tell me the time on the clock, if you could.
6:06
